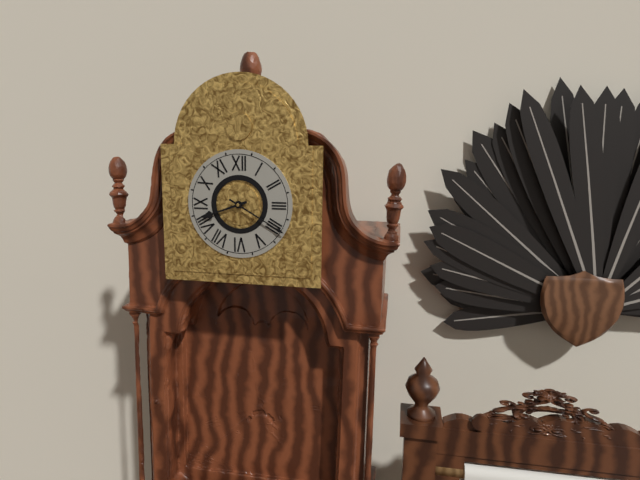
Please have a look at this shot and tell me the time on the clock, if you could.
8:20
